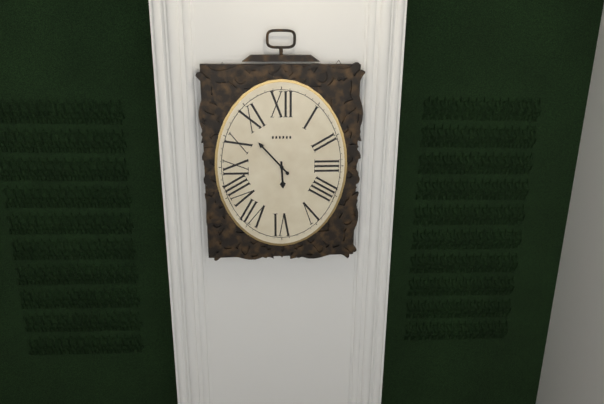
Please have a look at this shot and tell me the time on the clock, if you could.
5:53
